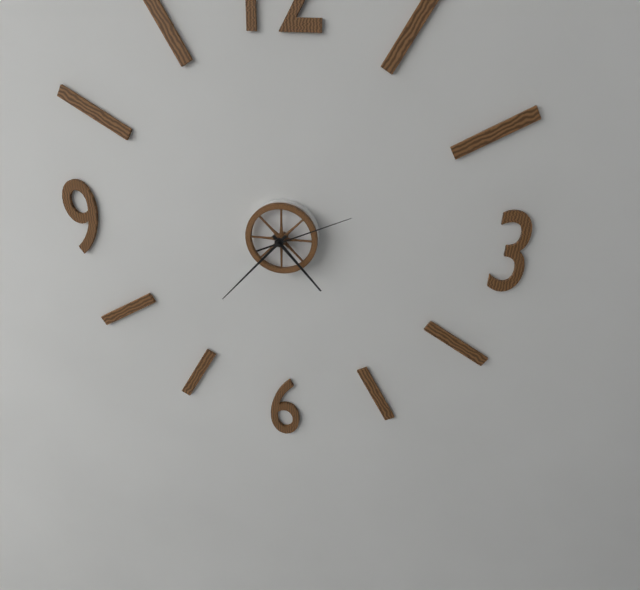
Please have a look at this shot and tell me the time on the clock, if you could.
4:37:11
